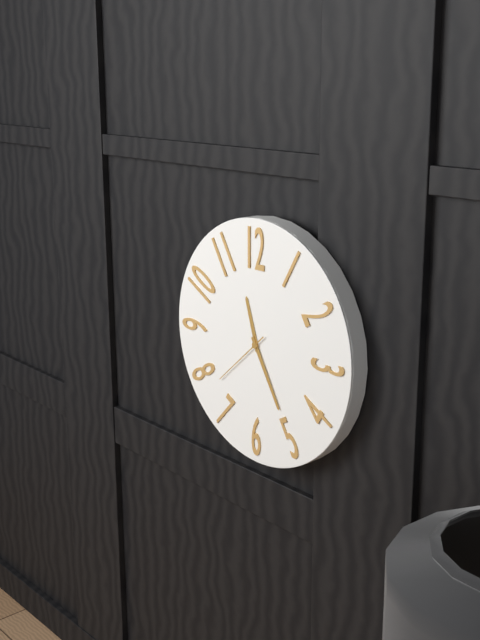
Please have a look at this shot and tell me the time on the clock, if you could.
11:25:38
